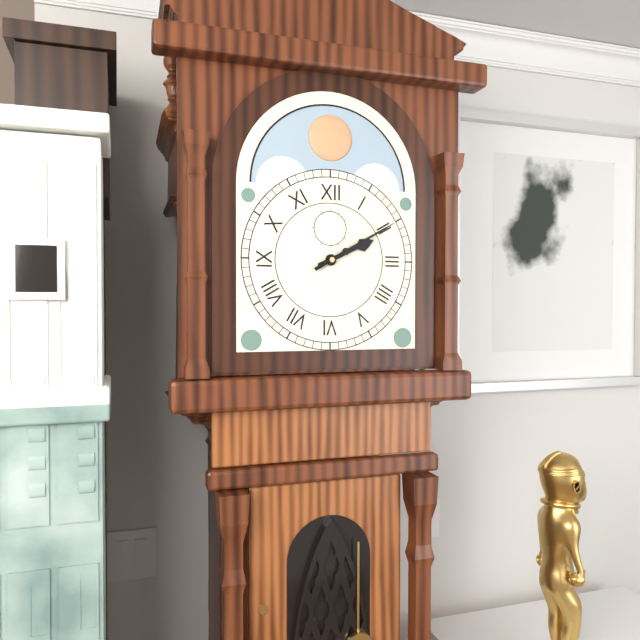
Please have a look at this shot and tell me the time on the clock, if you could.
2:10
